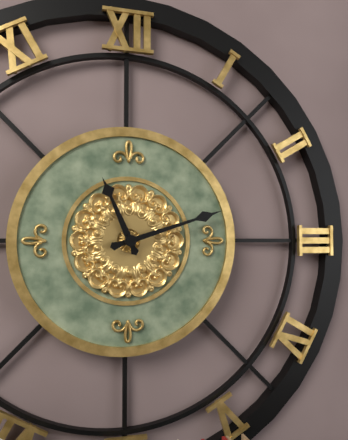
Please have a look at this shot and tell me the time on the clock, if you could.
11:12
